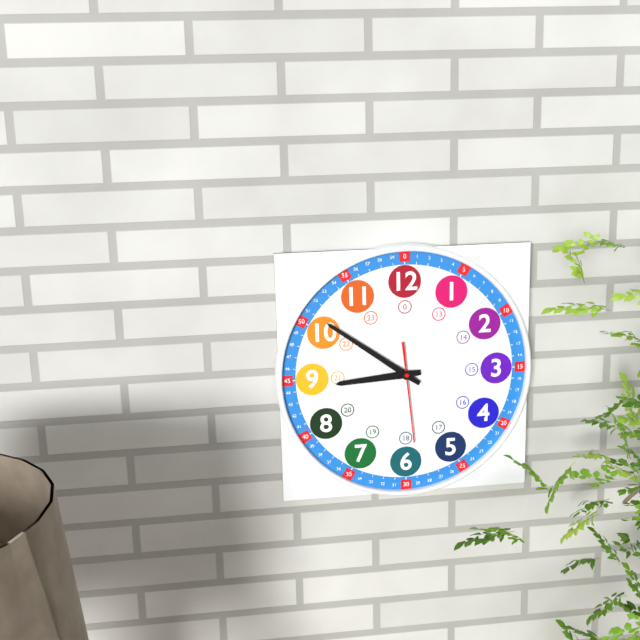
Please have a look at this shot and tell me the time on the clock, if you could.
8:51:29
